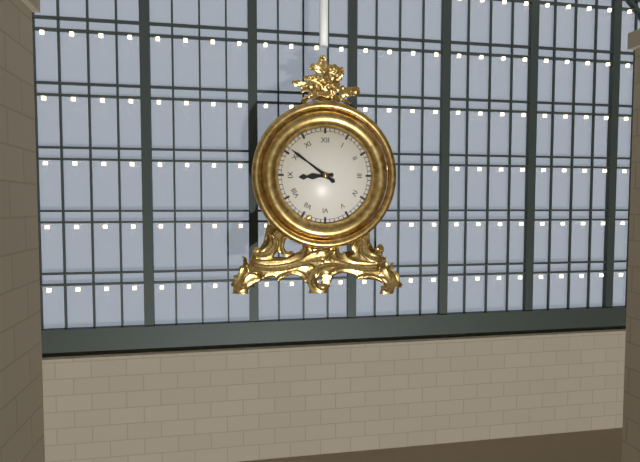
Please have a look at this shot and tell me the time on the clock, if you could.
8:51
